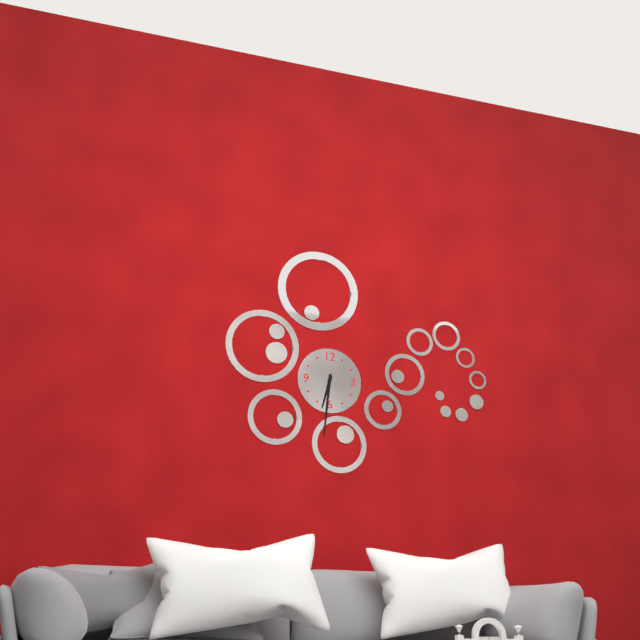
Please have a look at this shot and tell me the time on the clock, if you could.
6:31
